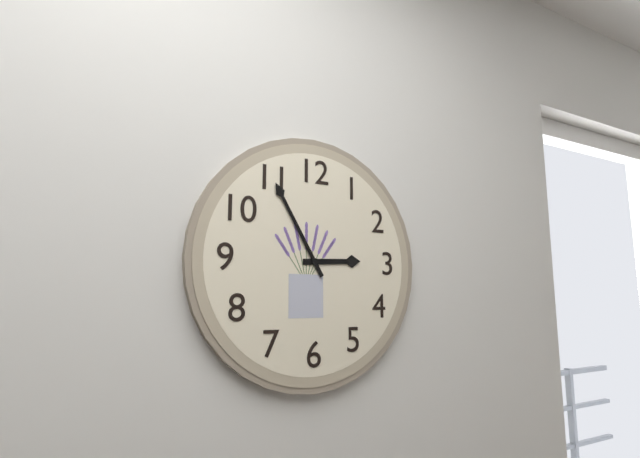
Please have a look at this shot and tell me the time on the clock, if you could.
2:55
